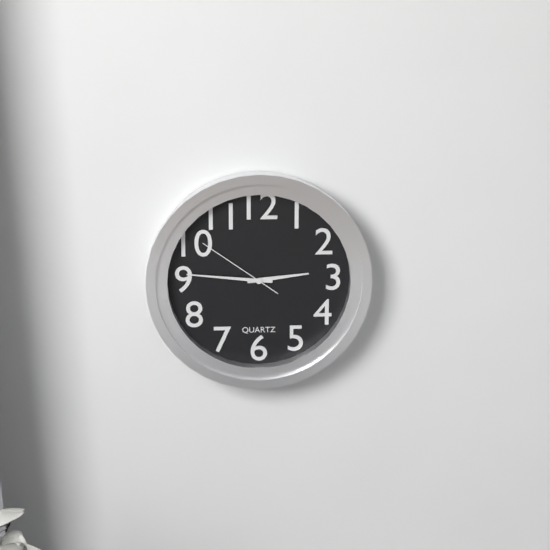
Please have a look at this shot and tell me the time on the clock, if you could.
2:46:51
